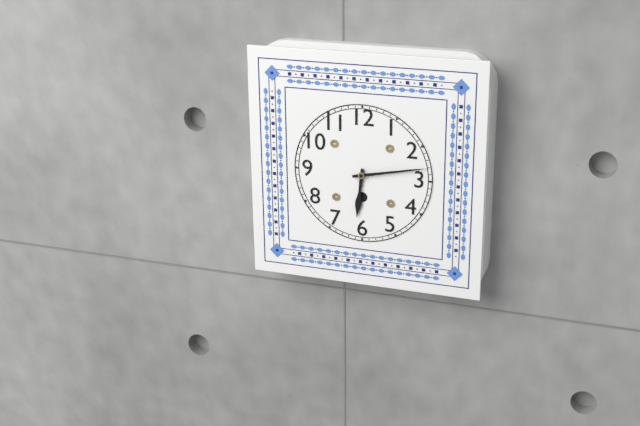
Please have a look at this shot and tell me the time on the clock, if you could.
6:13
